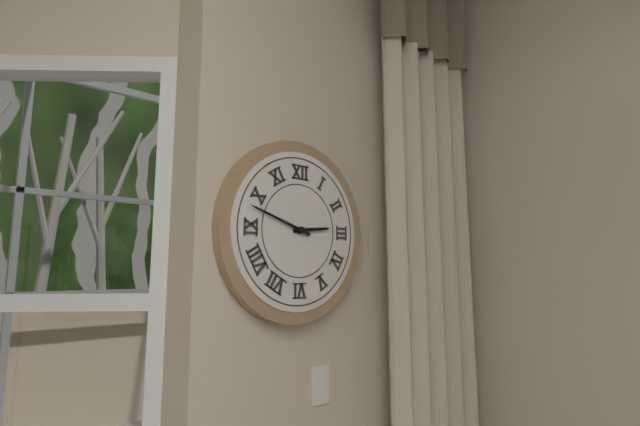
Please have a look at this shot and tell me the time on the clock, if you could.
2:48
